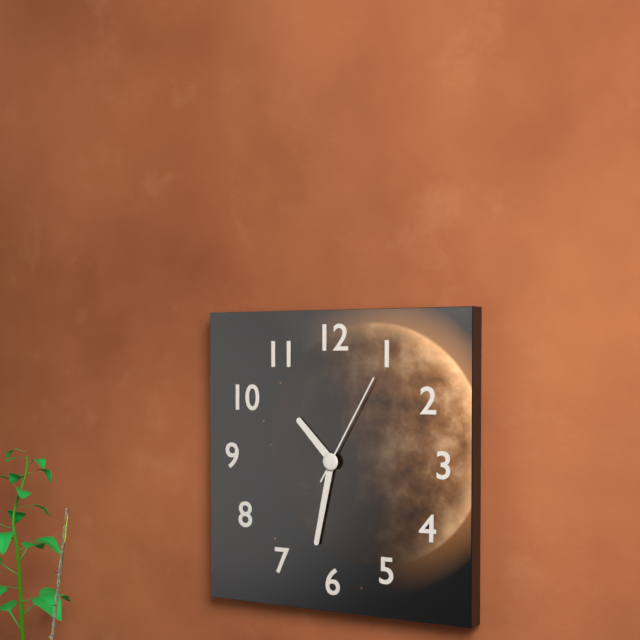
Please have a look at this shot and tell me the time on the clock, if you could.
10:32:05
